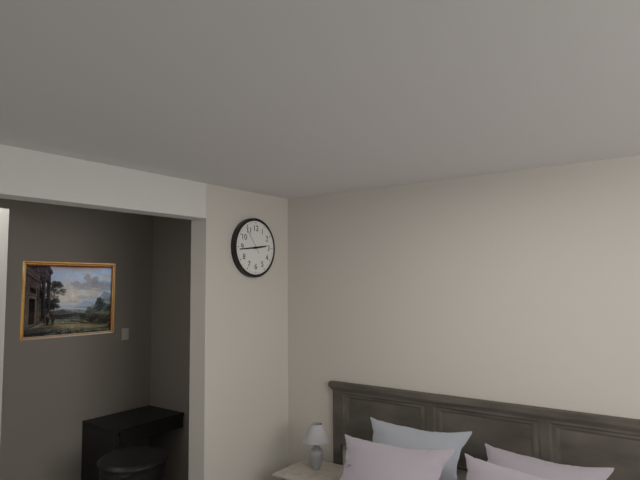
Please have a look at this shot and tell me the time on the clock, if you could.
2:44
